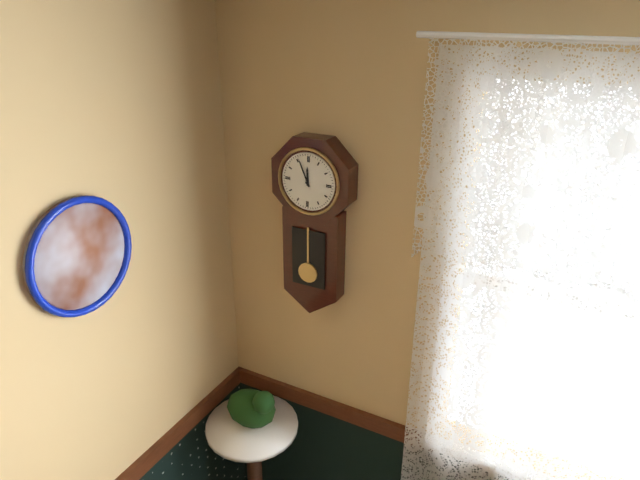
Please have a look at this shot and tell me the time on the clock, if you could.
11:56
